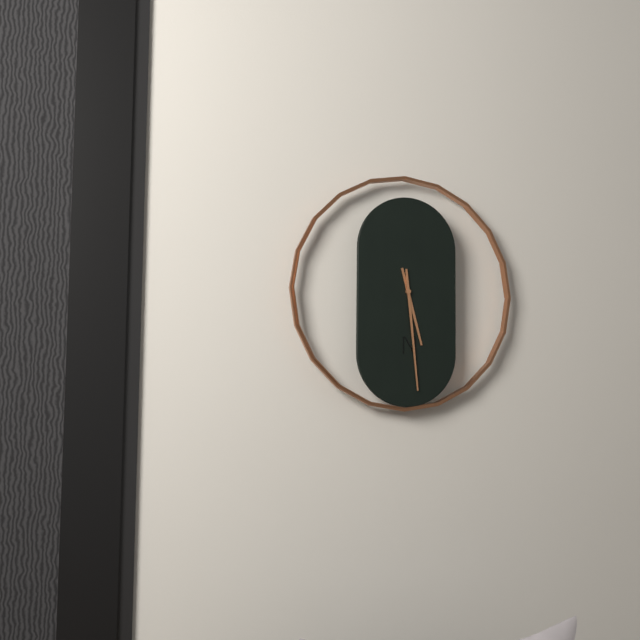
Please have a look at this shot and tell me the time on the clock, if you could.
5:29
